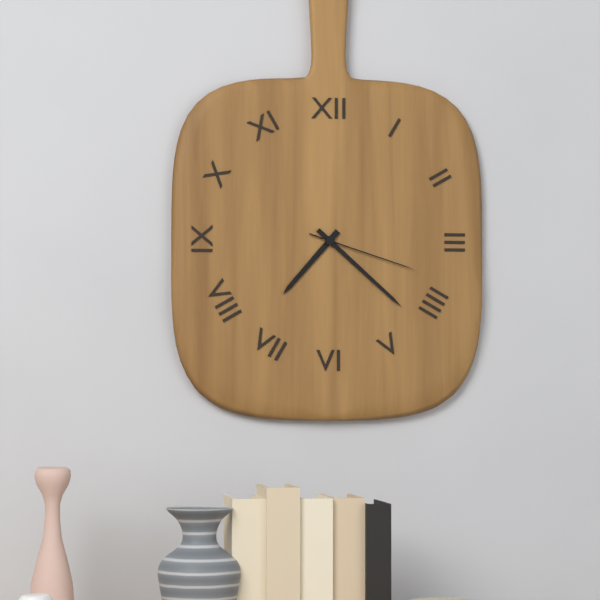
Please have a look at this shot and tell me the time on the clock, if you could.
7:22:18
